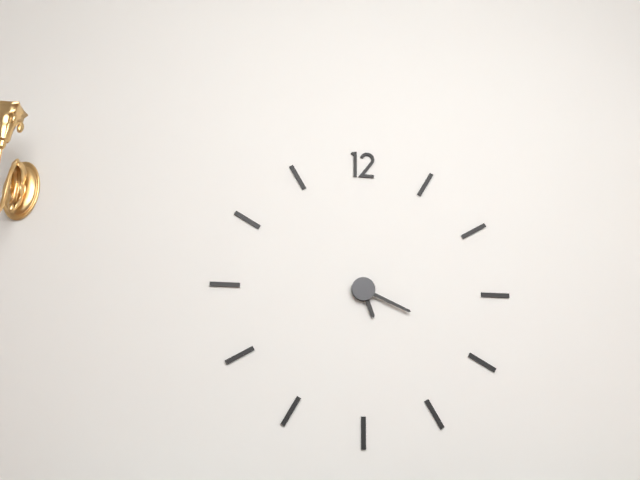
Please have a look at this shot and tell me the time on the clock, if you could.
5:19
